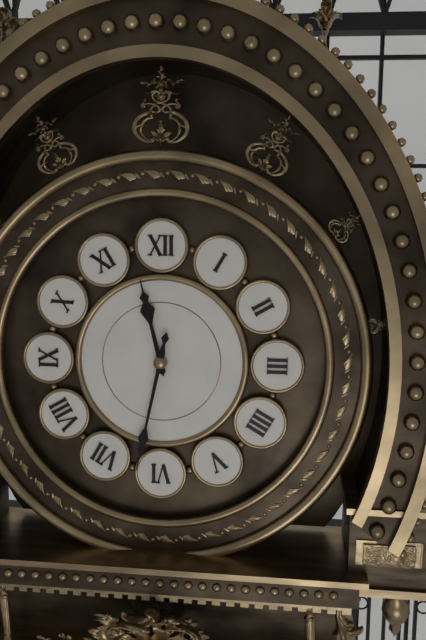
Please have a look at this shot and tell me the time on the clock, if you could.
11:32
